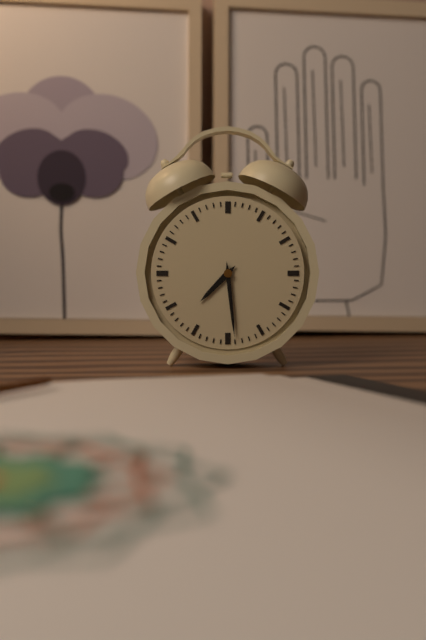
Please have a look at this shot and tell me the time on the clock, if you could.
7:29
